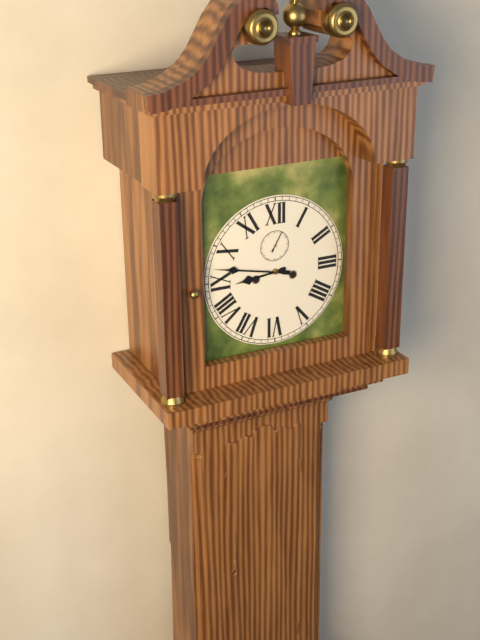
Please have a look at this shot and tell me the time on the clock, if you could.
8:47
